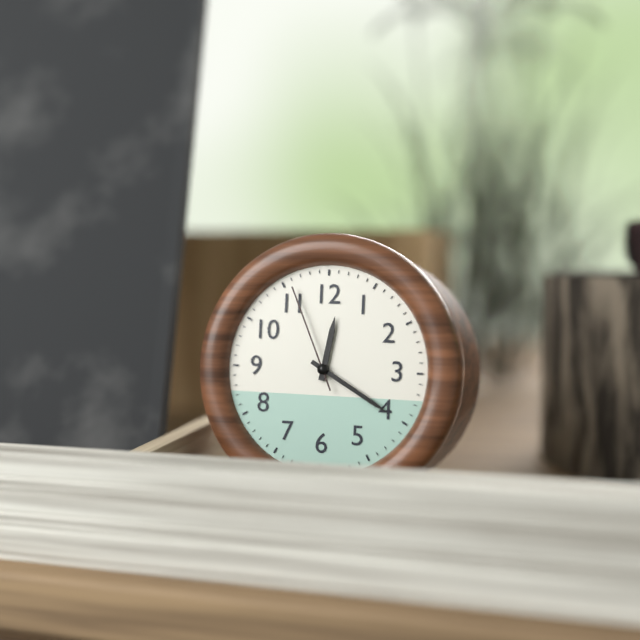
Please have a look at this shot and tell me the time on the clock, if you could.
12:20:56
